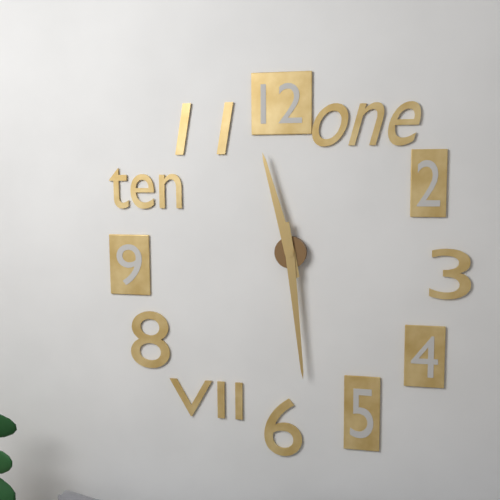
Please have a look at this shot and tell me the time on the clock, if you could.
11:29
